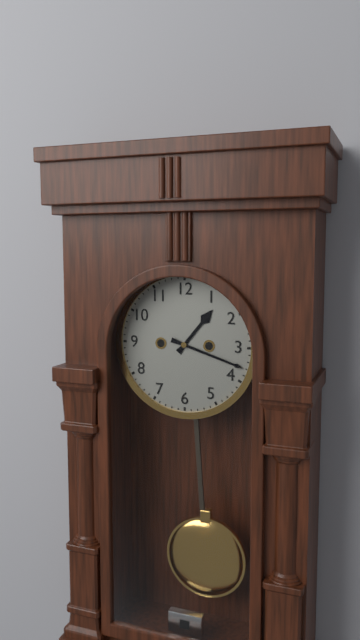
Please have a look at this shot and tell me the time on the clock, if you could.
1:18
